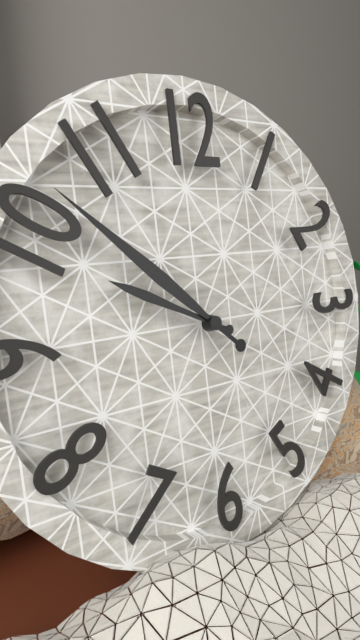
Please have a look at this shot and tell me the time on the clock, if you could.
9:52
